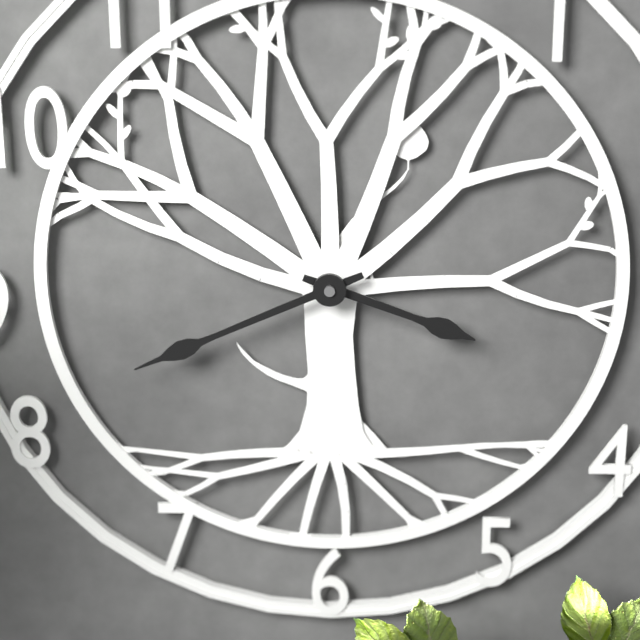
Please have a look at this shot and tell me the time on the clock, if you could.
3:41
